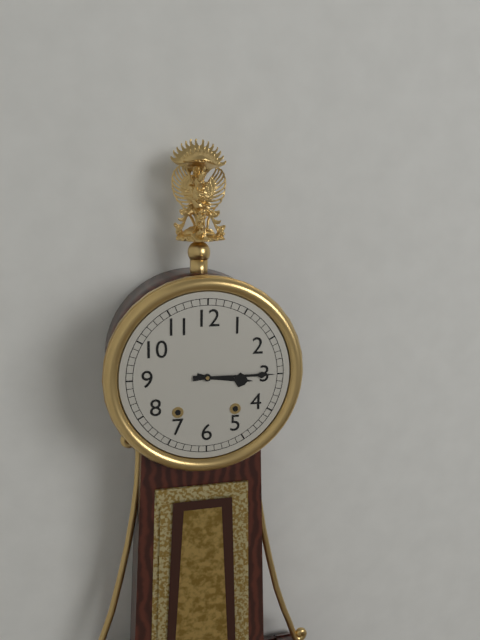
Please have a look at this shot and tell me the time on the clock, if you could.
3:15
